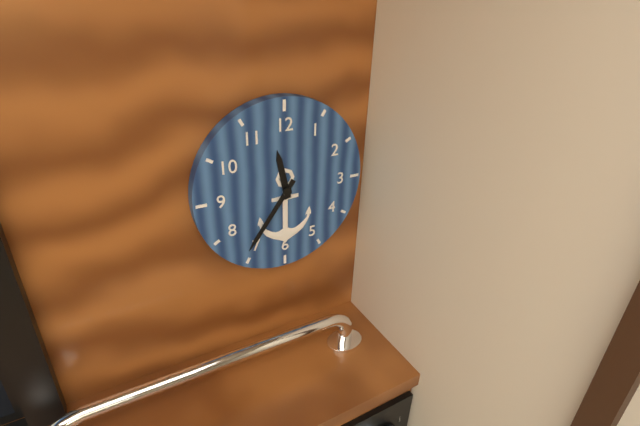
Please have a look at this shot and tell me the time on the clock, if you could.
11:36
